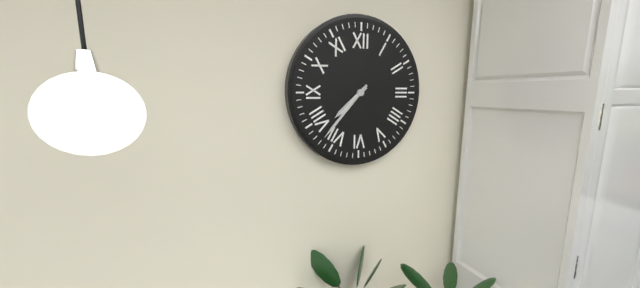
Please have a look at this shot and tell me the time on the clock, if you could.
7:37
